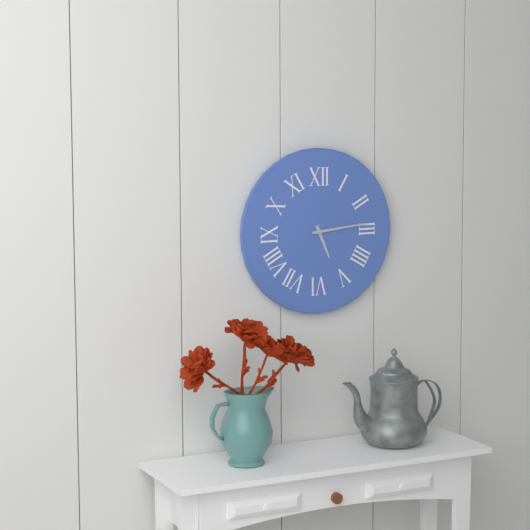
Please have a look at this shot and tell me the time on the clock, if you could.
5:14
